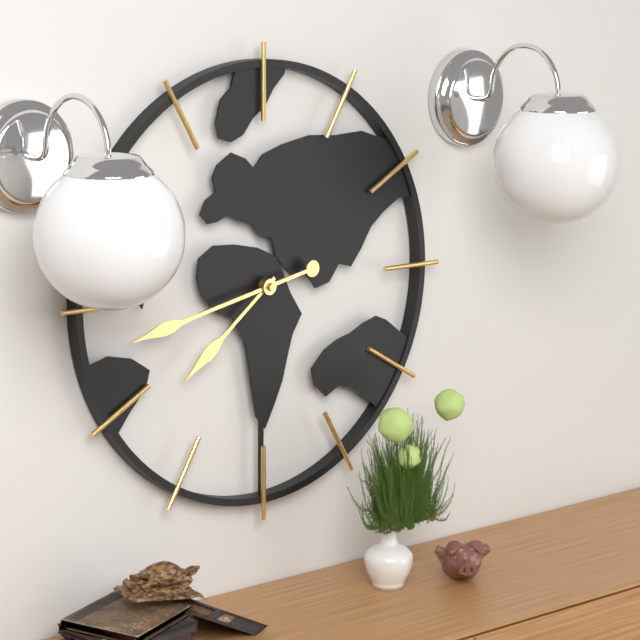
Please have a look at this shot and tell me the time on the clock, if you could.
7:43
